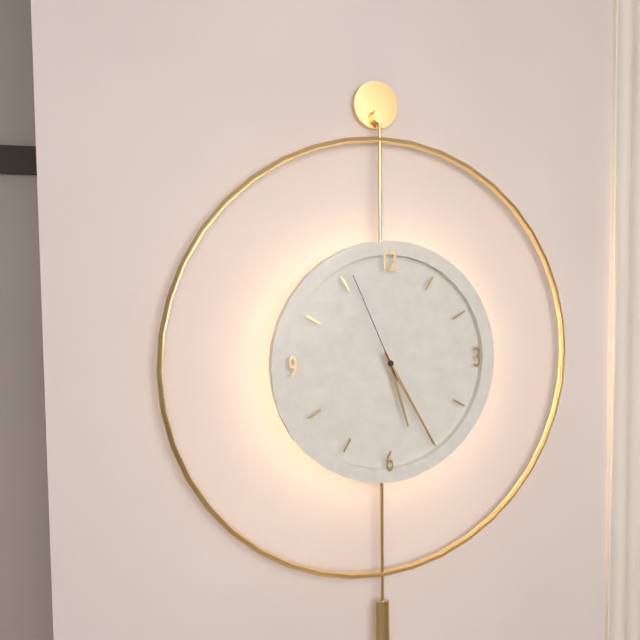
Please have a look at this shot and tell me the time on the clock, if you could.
5:25:56
